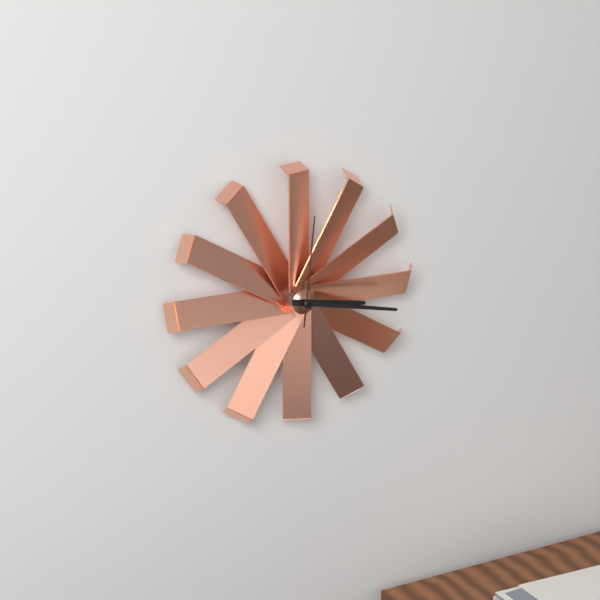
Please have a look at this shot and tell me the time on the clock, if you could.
3:17:01
